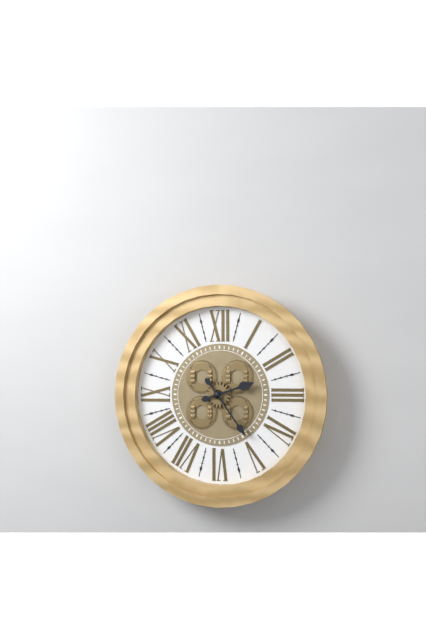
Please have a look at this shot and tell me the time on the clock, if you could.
2:24
